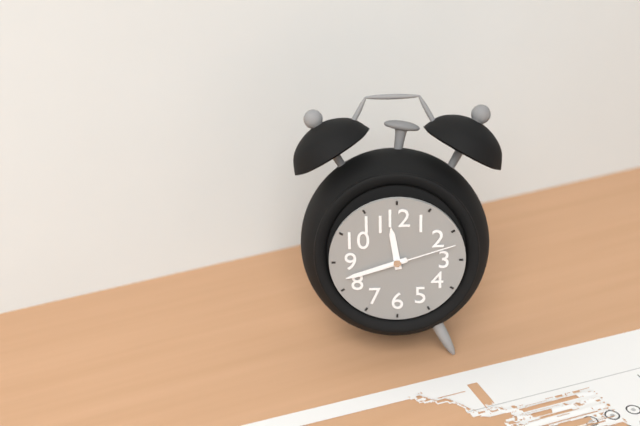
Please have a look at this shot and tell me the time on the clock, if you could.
11:42:12
